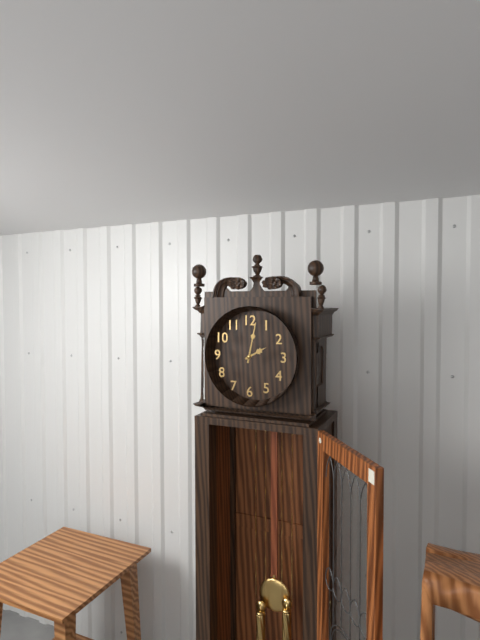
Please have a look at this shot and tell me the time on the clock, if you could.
2:02
